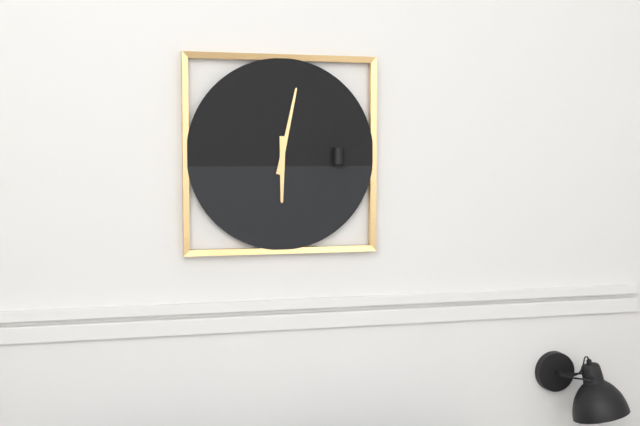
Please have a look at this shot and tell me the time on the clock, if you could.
6:02
